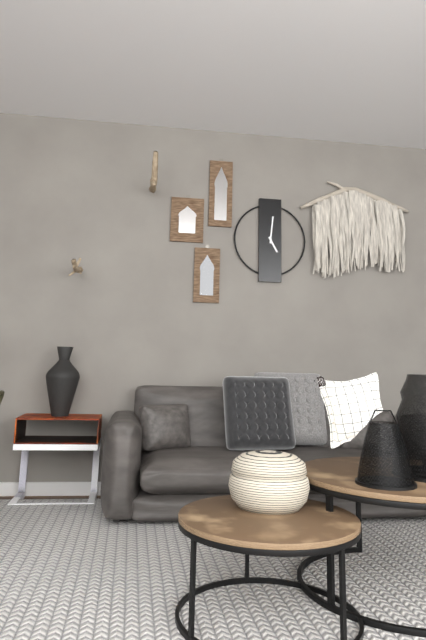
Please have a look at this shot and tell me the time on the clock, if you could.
5:01
